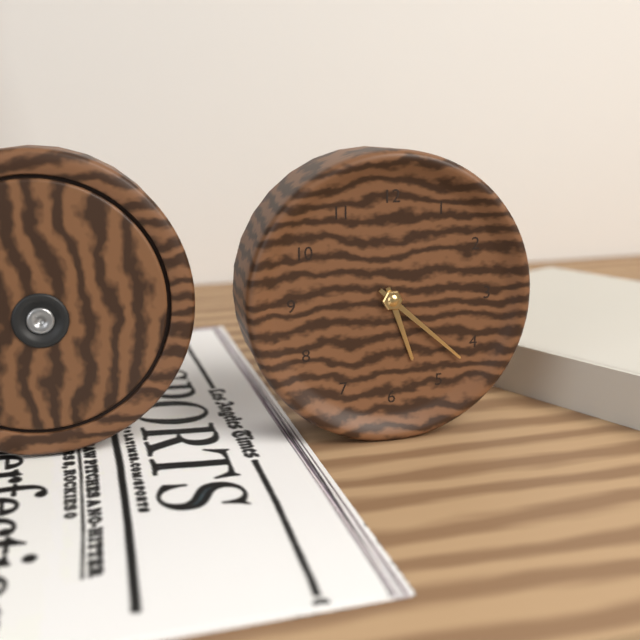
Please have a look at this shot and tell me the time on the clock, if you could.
5:22
